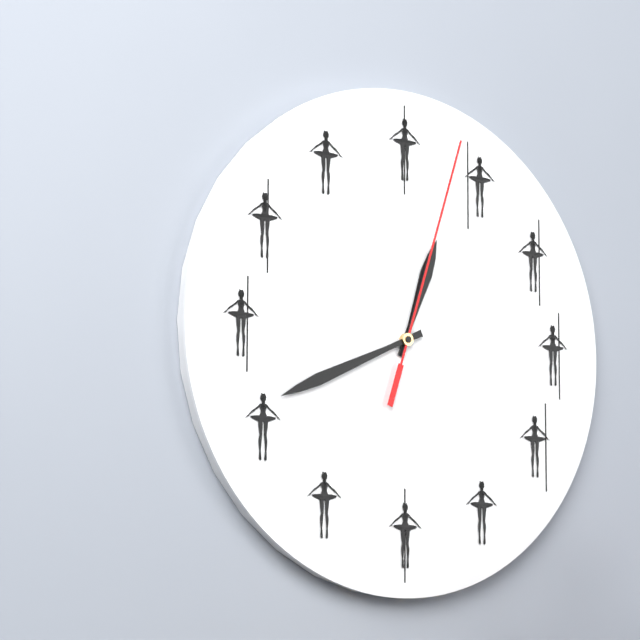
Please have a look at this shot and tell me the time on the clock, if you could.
12:41:03
